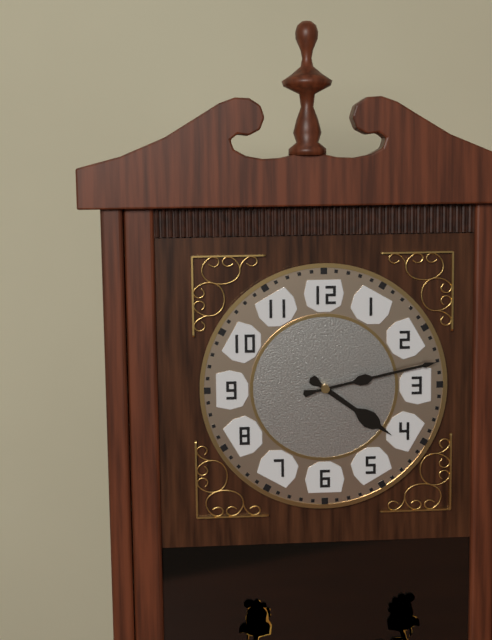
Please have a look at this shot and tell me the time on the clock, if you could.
4:13
